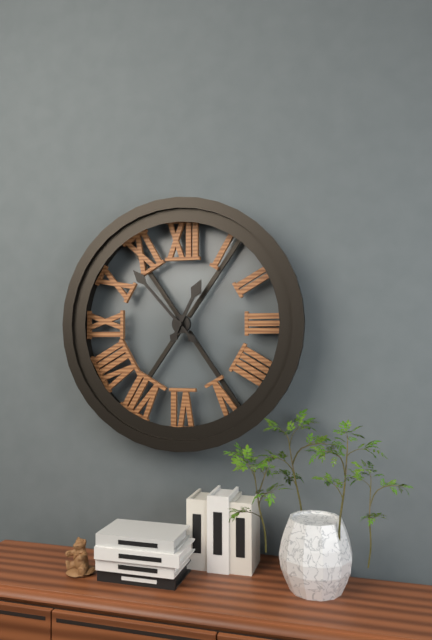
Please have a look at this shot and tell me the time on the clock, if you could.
12:53
